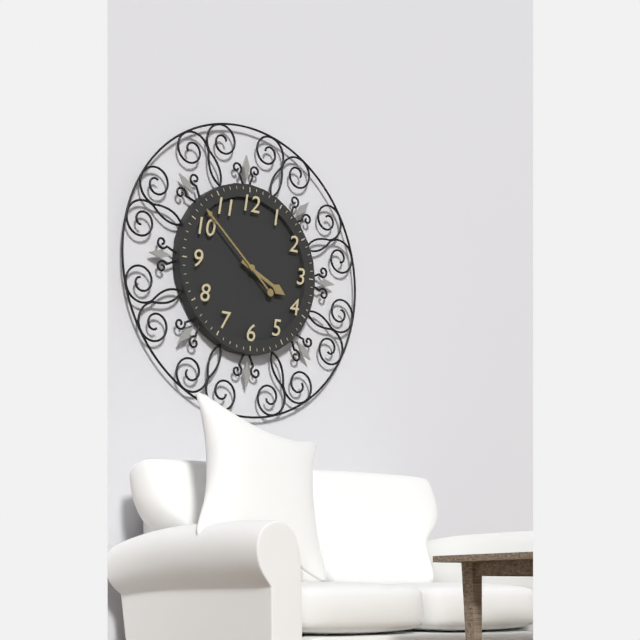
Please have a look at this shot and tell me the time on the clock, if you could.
3:52
